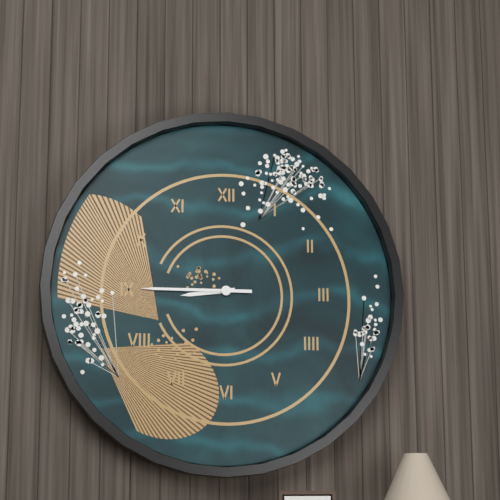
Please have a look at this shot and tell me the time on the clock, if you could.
8:45
